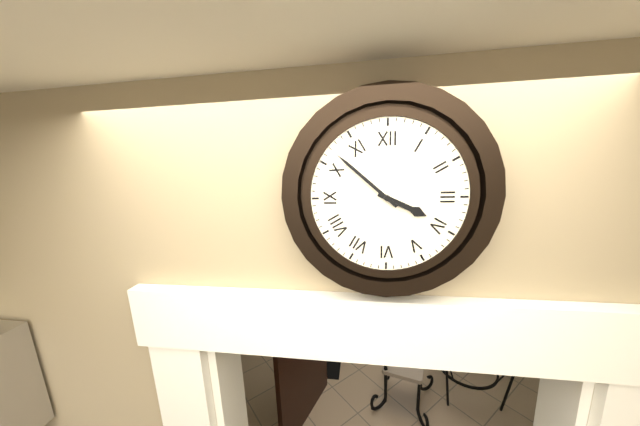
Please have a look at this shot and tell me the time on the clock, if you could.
3:52
